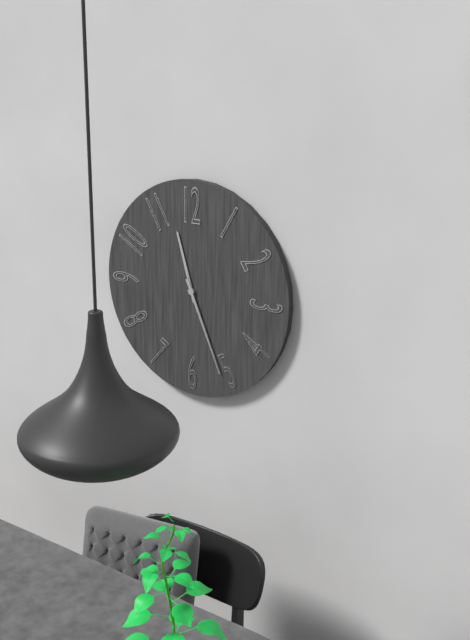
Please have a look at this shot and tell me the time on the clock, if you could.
11:26
